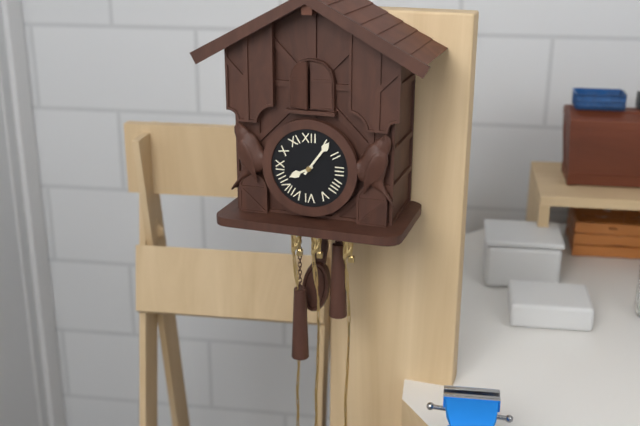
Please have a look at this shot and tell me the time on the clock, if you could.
8:06
